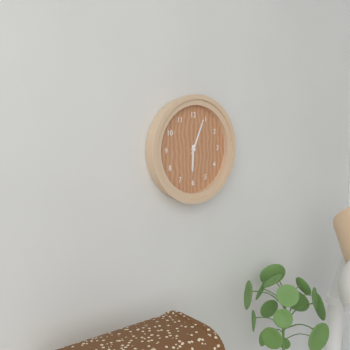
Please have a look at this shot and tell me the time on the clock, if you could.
6:04
